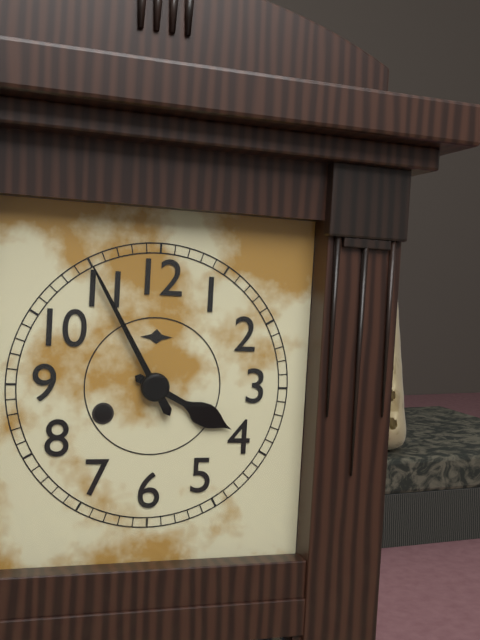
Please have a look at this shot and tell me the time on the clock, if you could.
3:55
